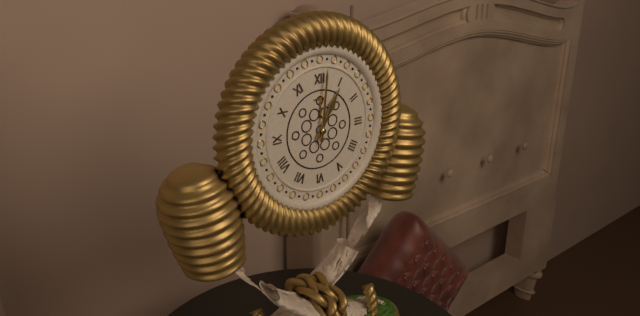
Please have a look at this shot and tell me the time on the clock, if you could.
1:01
